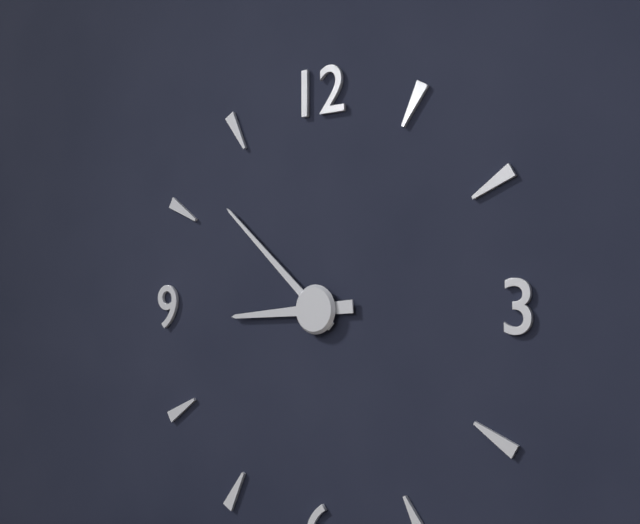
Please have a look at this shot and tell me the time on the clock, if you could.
8:52
